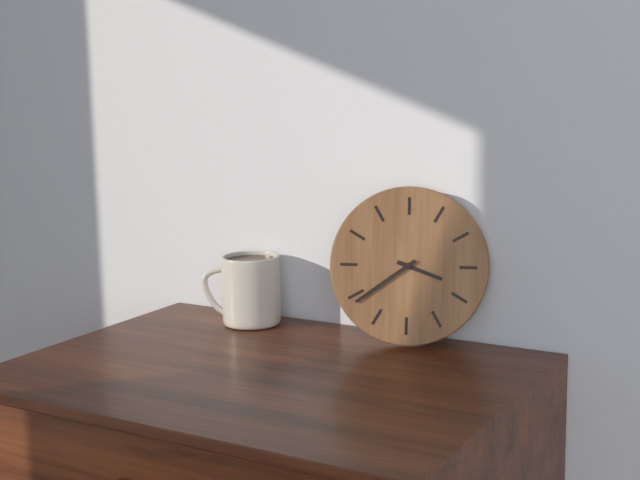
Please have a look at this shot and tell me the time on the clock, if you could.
3:39
